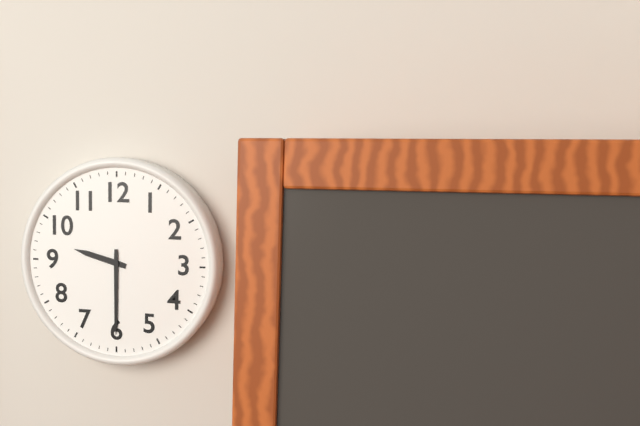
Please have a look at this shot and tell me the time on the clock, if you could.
9:30
